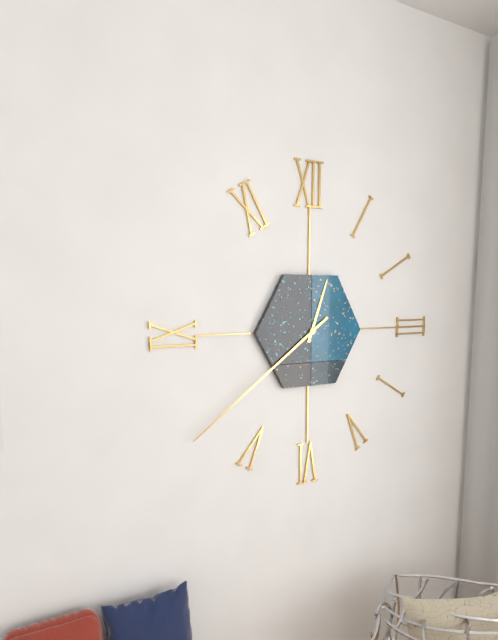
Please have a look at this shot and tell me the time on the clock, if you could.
12:39
